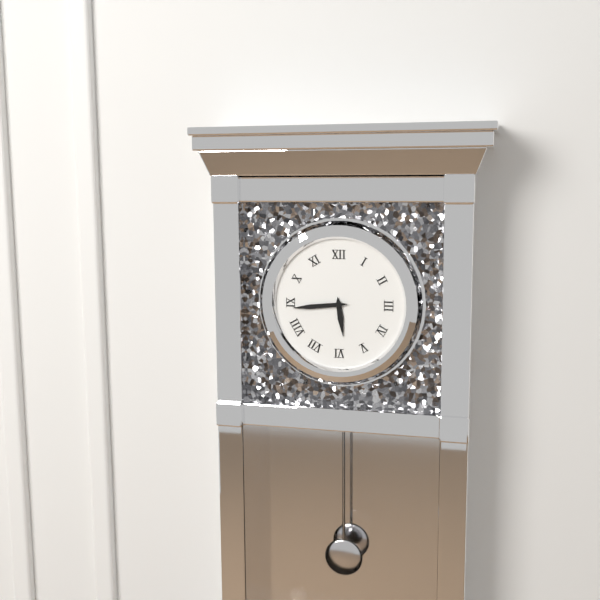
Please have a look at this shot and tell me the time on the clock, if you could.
5:44
